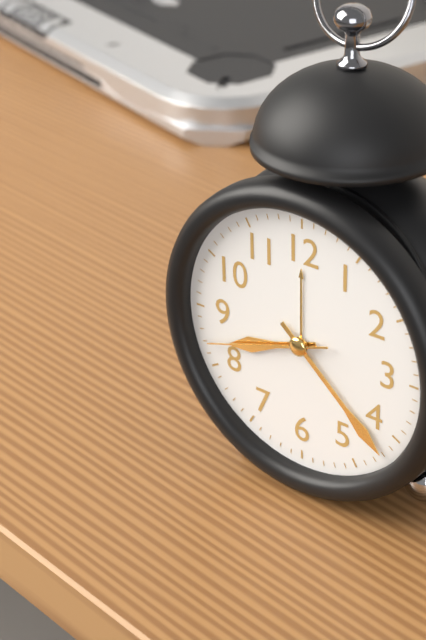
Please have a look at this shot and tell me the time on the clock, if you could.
8:22:42
